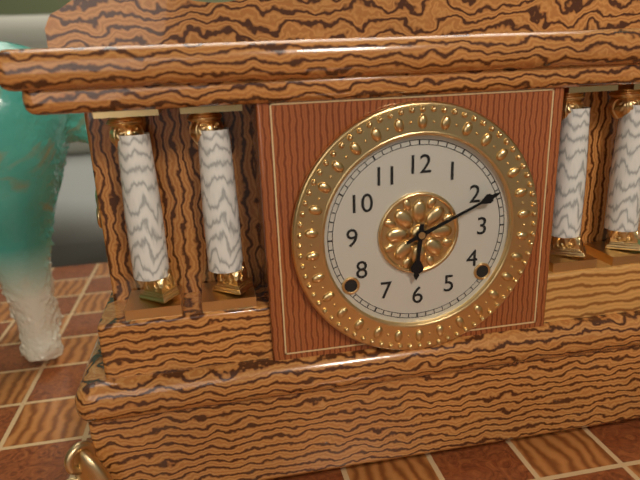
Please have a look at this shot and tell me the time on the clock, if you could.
6:11
